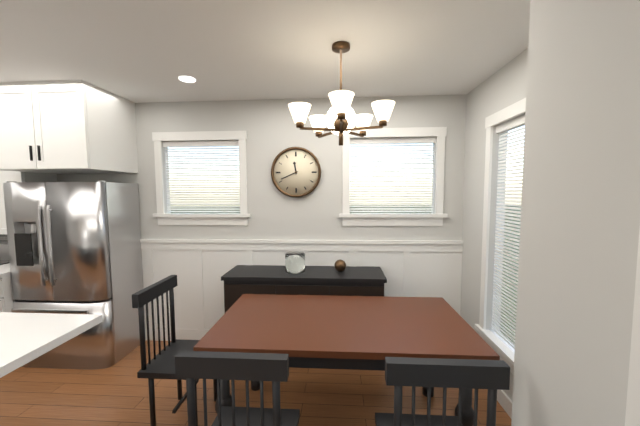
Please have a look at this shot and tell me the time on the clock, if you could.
11:41
